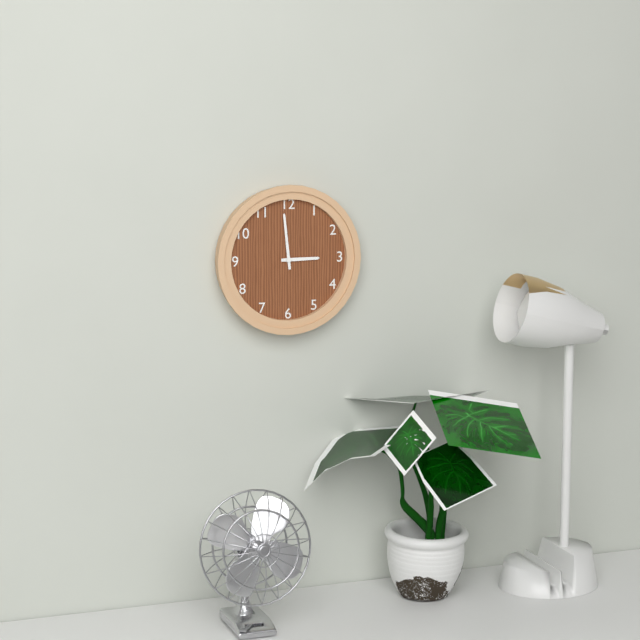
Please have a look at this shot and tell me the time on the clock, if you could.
2:59
